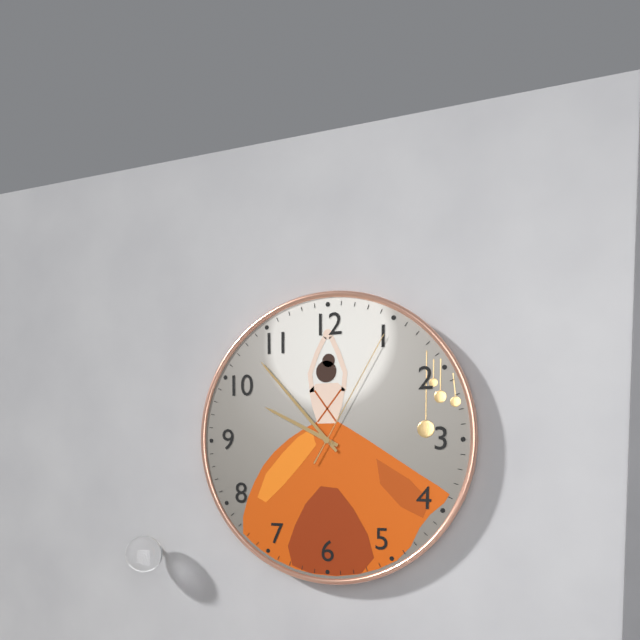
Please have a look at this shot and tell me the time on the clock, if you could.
9:53:05
